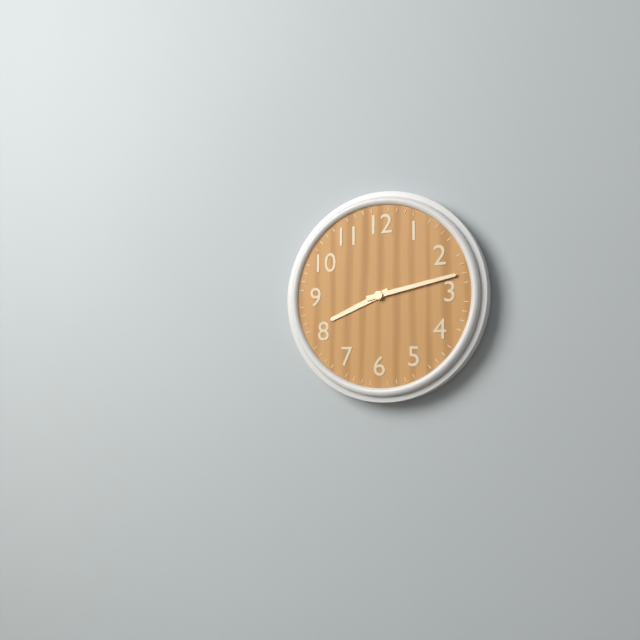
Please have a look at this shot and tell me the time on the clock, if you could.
8:13
